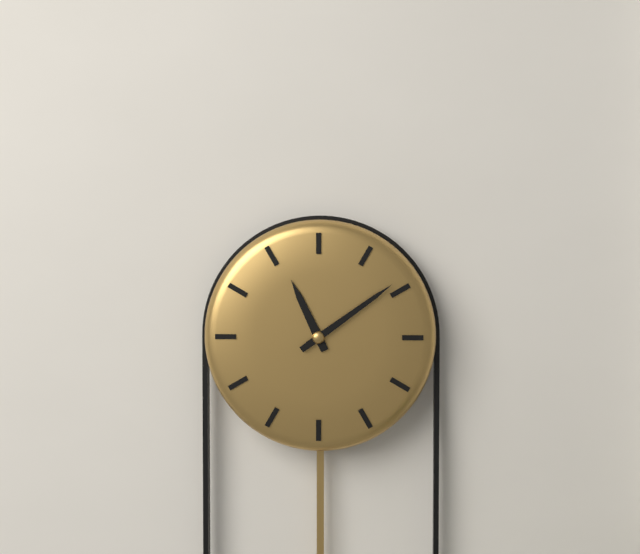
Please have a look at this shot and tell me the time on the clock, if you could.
11:09
